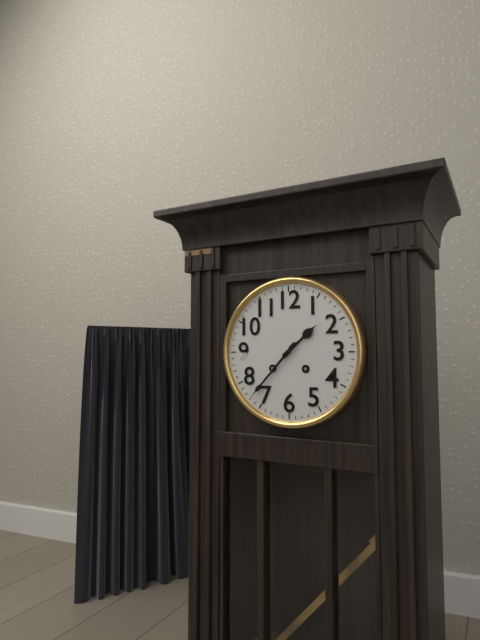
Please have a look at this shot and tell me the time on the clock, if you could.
1:37
